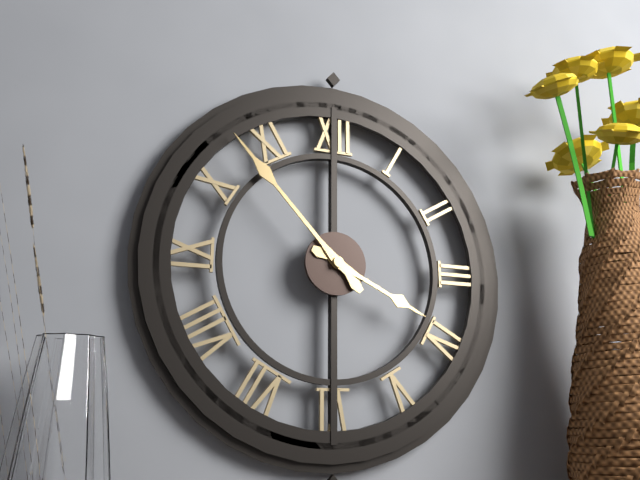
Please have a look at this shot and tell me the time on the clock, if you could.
3:53
